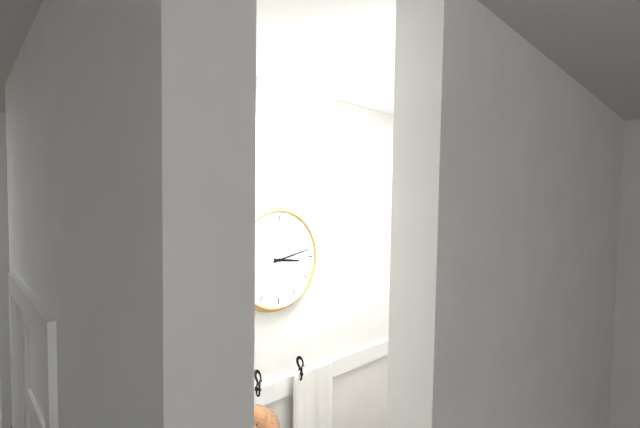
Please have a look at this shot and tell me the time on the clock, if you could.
3:13
